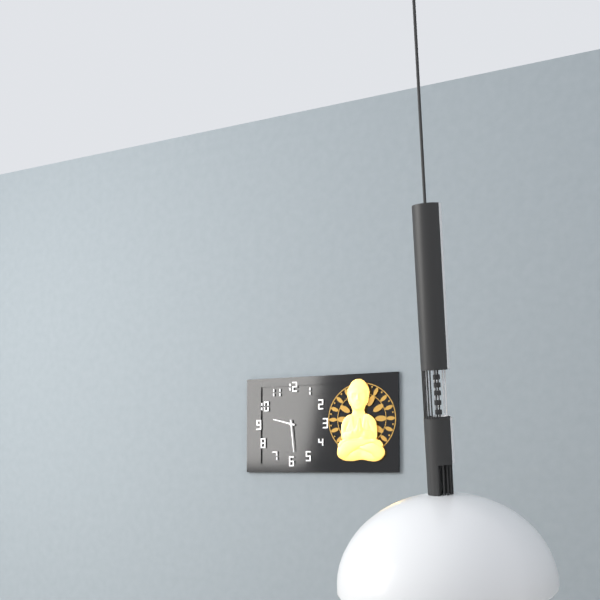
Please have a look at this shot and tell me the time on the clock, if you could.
9:29
